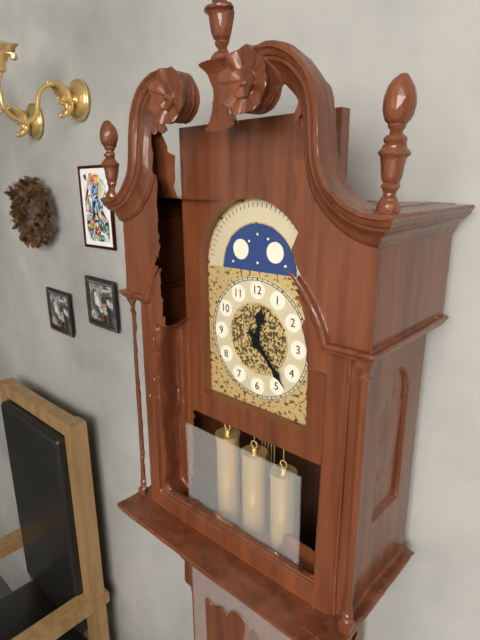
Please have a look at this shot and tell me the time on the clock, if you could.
12:23
